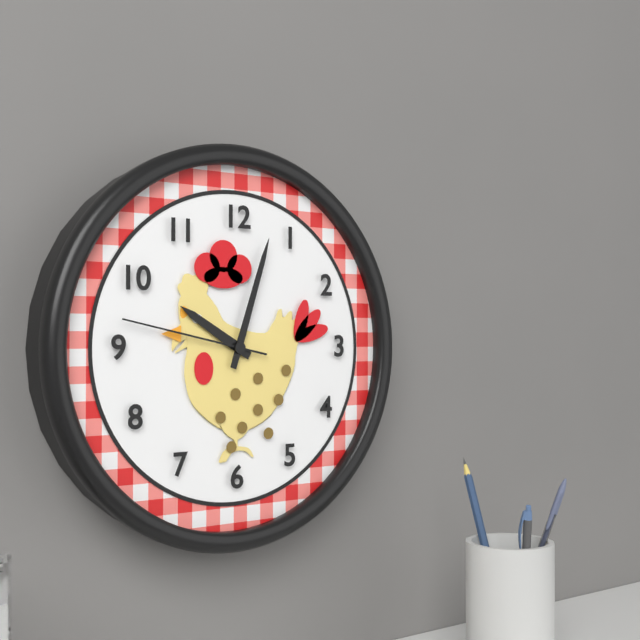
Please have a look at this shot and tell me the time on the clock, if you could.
10:03:47
